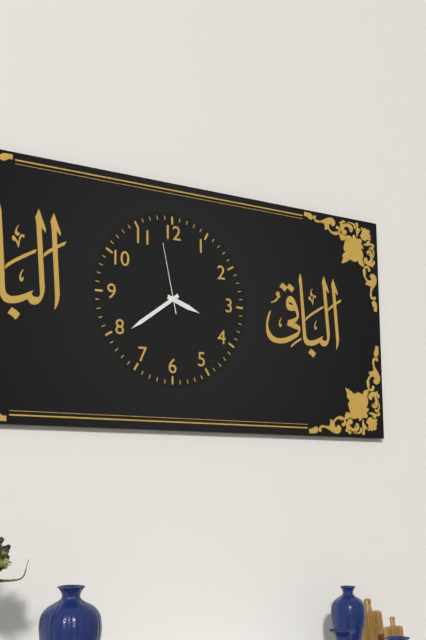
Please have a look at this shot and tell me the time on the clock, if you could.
3:39:58
